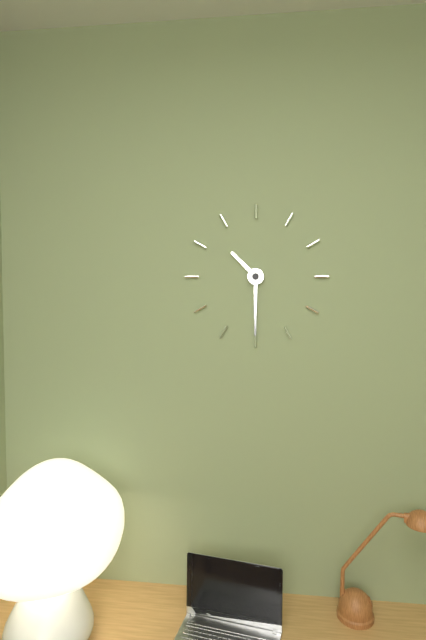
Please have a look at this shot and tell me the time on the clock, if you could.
10:30
